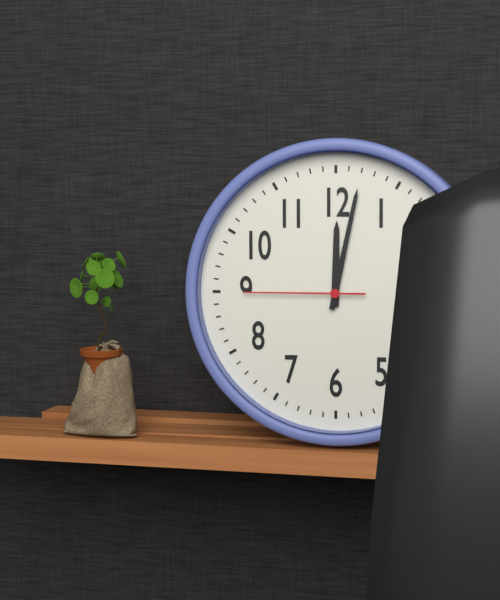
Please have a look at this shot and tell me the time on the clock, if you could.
12:02:45
